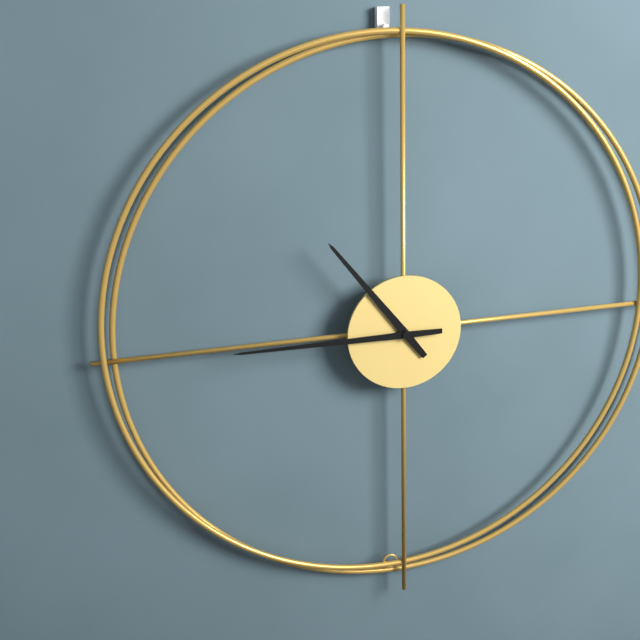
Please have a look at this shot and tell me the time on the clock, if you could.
10:45
